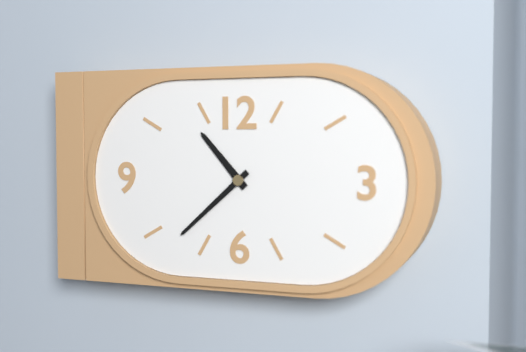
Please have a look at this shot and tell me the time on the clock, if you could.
10:38
